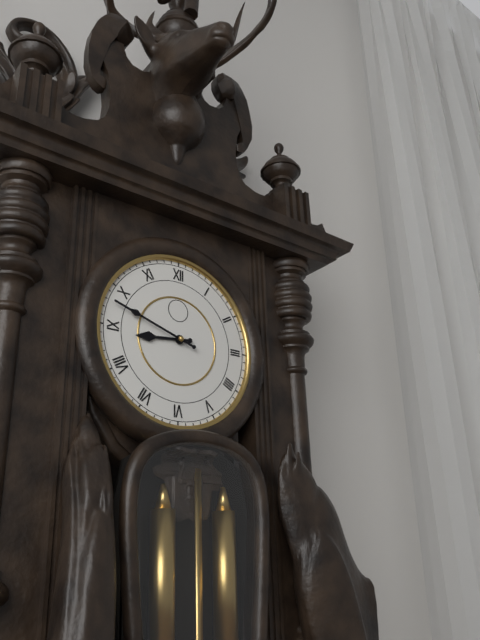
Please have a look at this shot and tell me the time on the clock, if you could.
8:48
